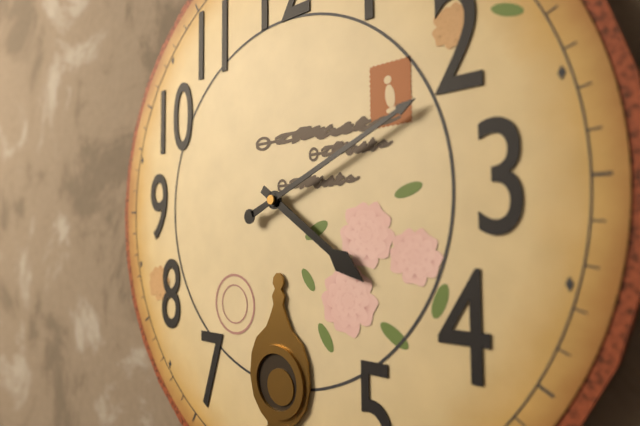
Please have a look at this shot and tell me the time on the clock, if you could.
4:11
